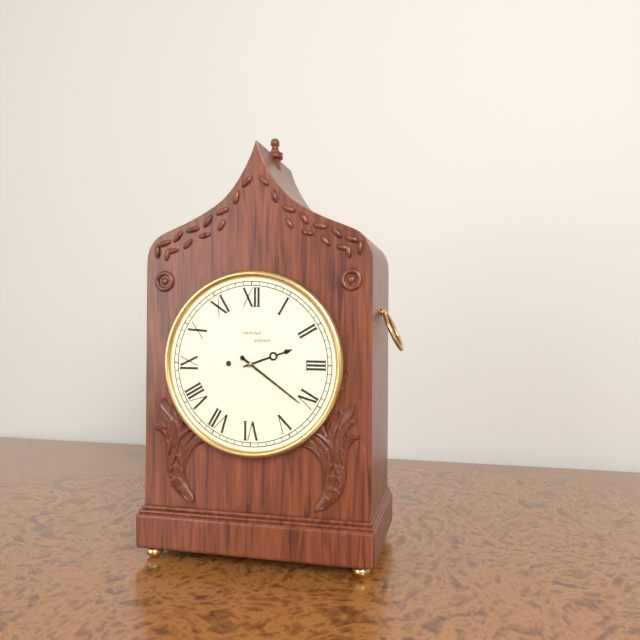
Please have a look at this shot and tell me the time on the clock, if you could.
2:21
